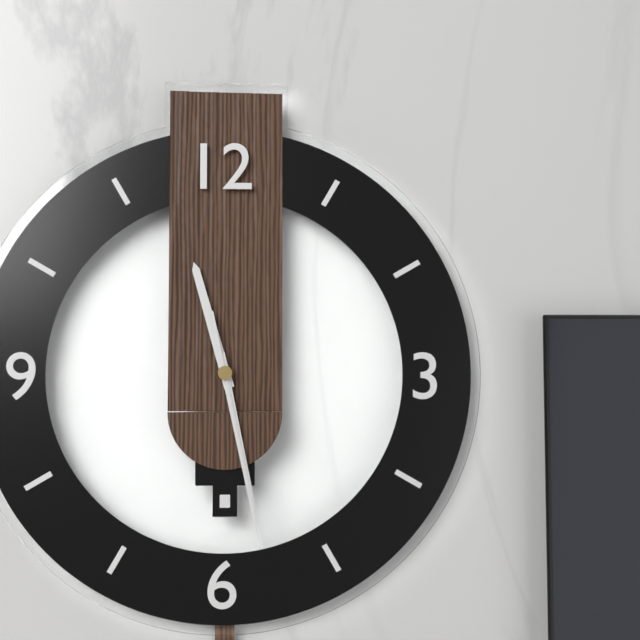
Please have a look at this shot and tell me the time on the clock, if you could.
11:28:28
